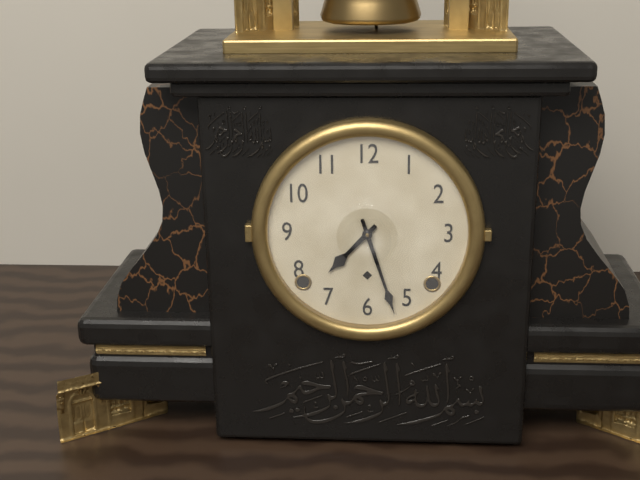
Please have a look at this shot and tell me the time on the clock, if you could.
7:27
